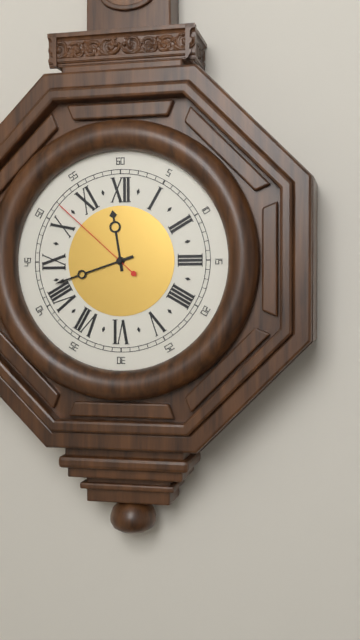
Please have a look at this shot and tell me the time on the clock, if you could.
11:42:52
